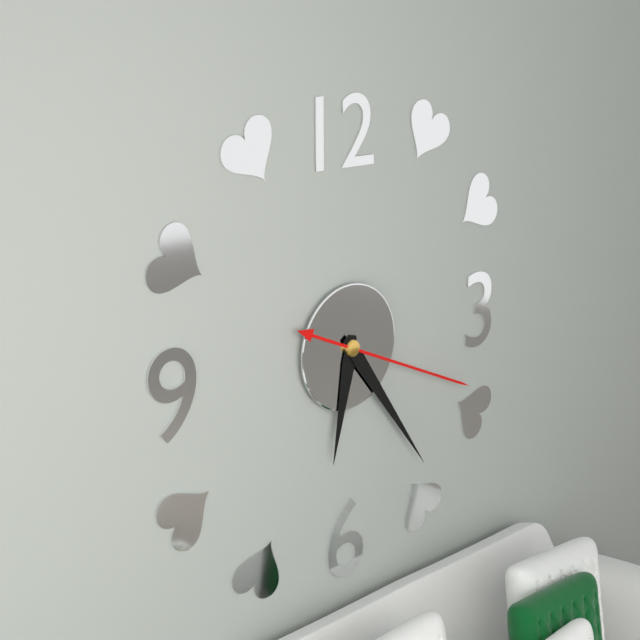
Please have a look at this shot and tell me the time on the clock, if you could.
6:24:19
